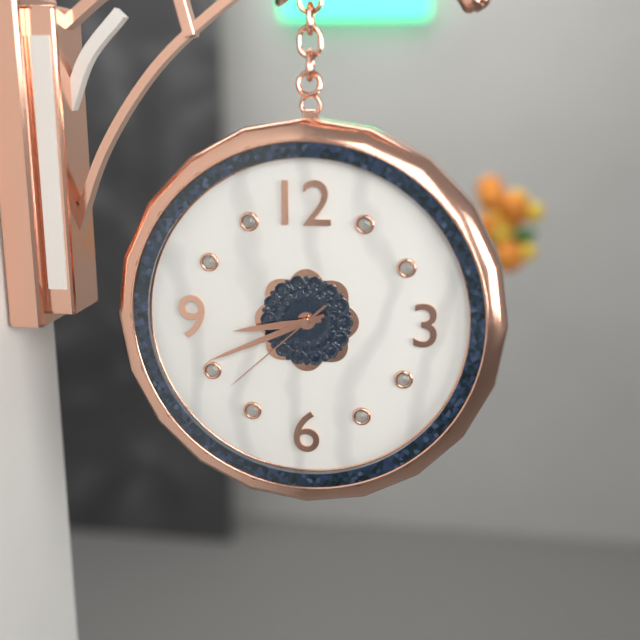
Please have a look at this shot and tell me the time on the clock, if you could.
8:41:38
